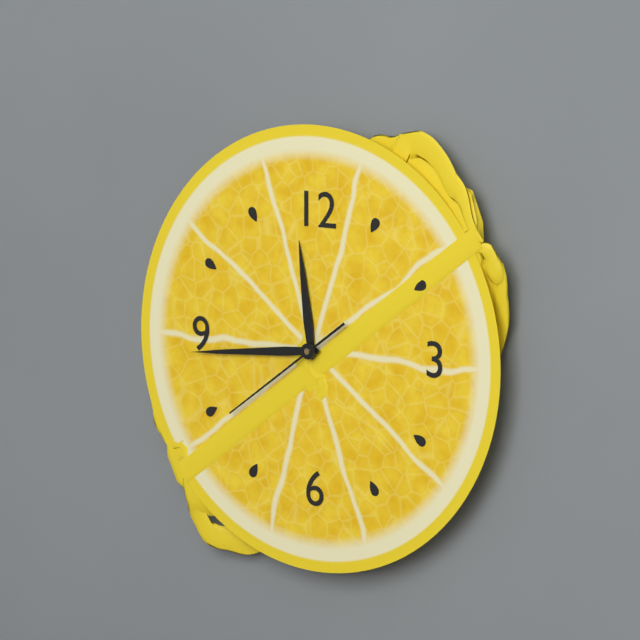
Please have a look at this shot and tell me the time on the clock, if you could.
11:44:39
